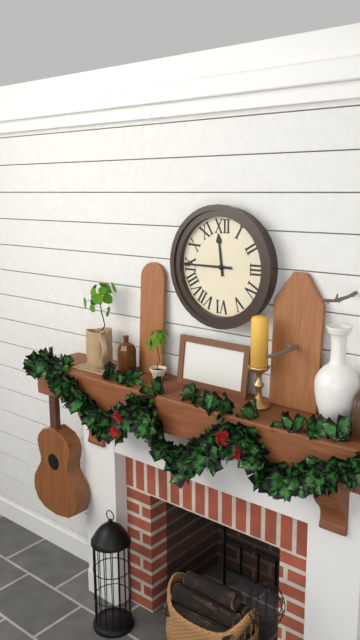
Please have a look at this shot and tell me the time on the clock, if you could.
11:45
